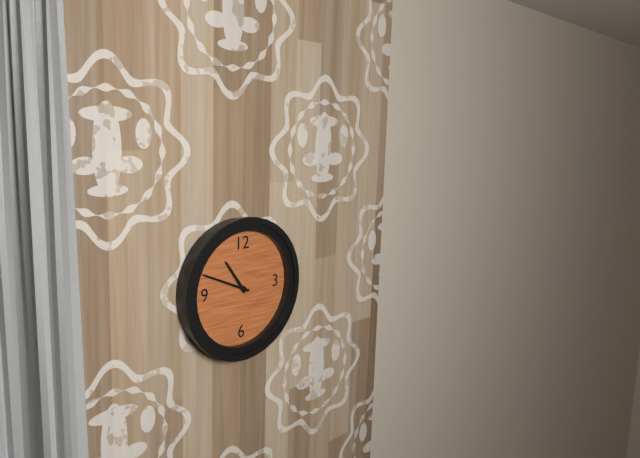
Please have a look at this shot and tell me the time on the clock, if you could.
10:49
